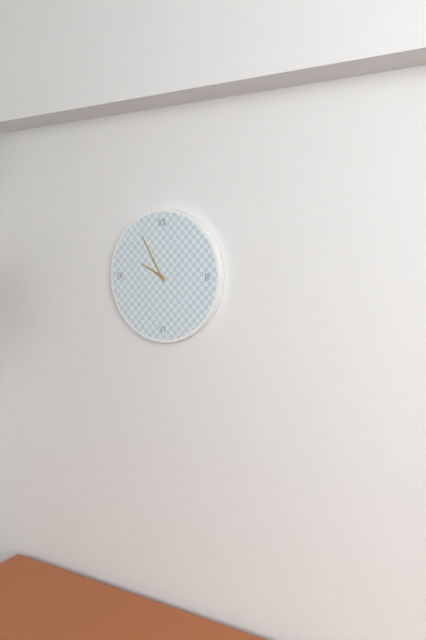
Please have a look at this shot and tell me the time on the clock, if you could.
9:55
